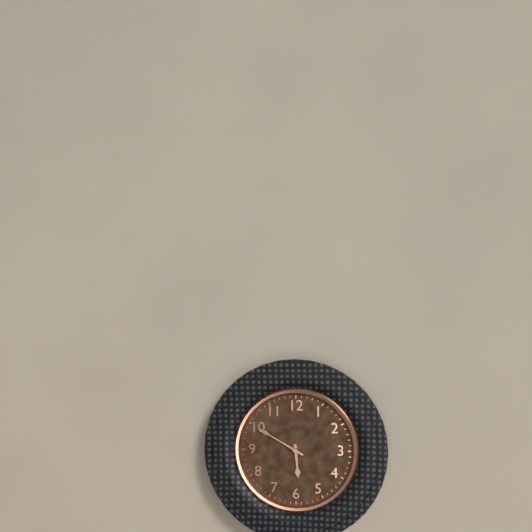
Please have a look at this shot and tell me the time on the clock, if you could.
5:50
